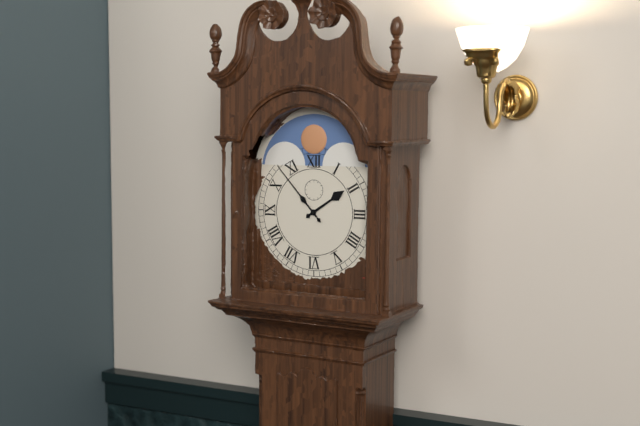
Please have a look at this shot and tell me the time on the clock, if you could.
1:53
